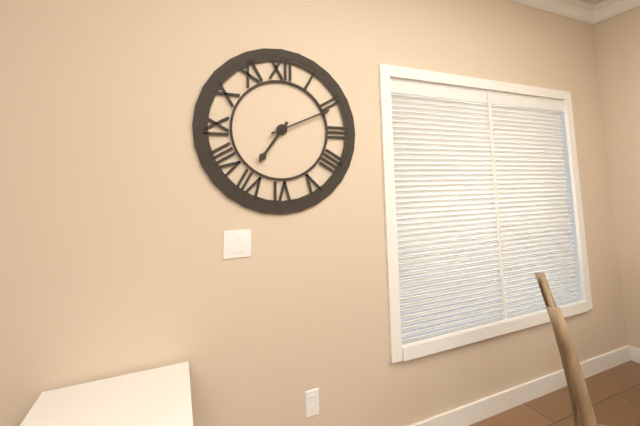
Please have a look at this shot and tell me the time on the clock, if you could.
7:11
